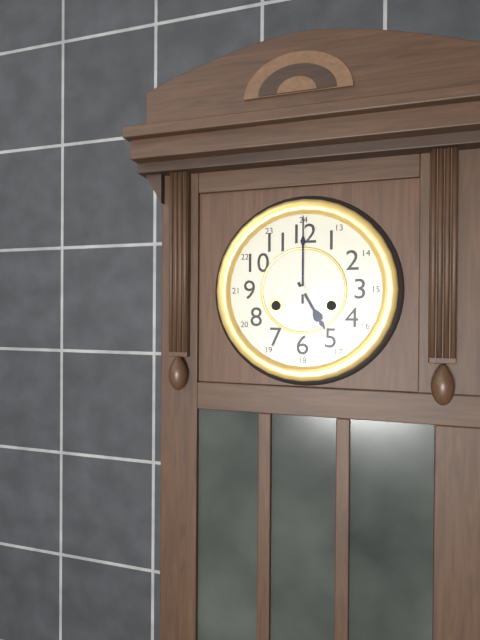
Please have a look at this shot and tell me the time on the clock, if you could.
5:00
